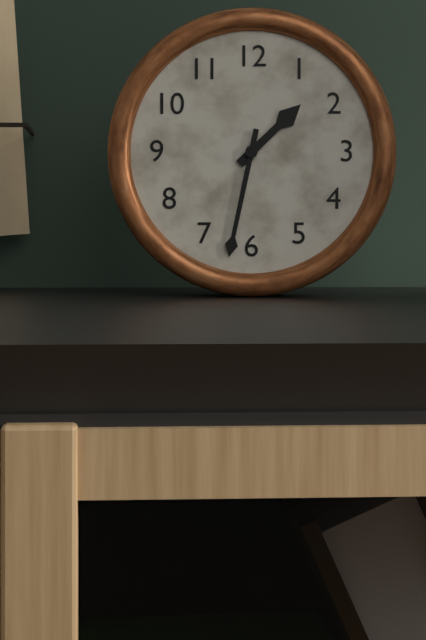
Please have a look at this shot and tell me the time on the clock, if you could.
1:32
